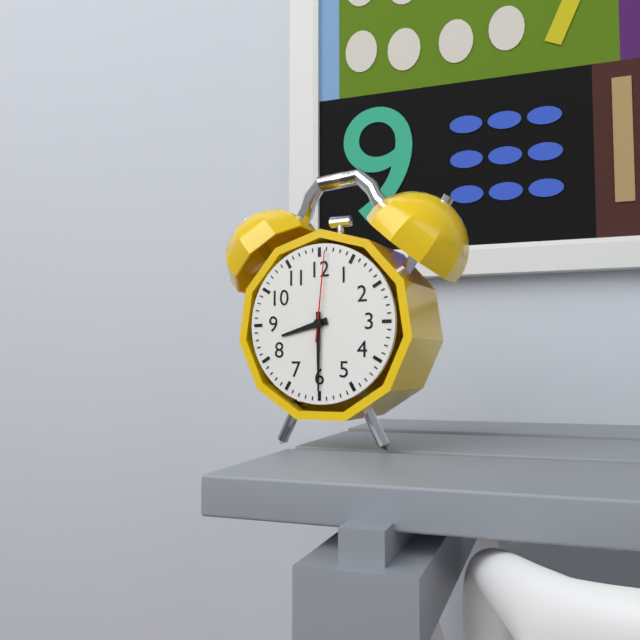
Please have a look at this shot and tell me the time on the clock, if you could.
8:30:01
